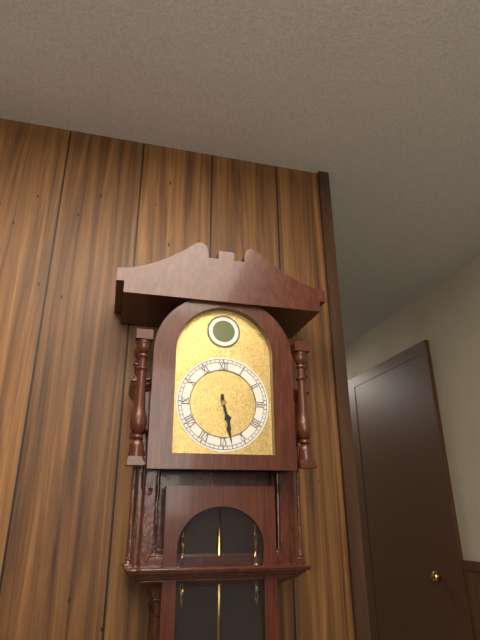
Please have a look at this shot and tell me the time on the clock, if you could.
5:28
